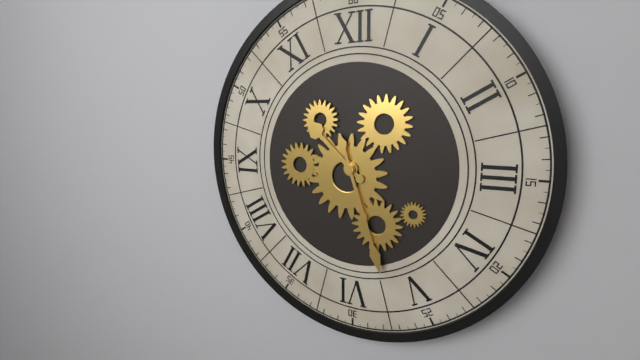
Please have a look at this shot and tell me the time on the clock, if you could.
10:27
